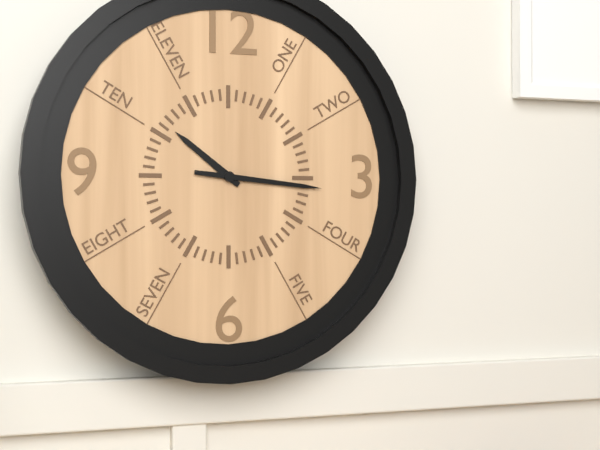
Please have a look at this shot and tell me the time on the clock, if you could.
10:16
